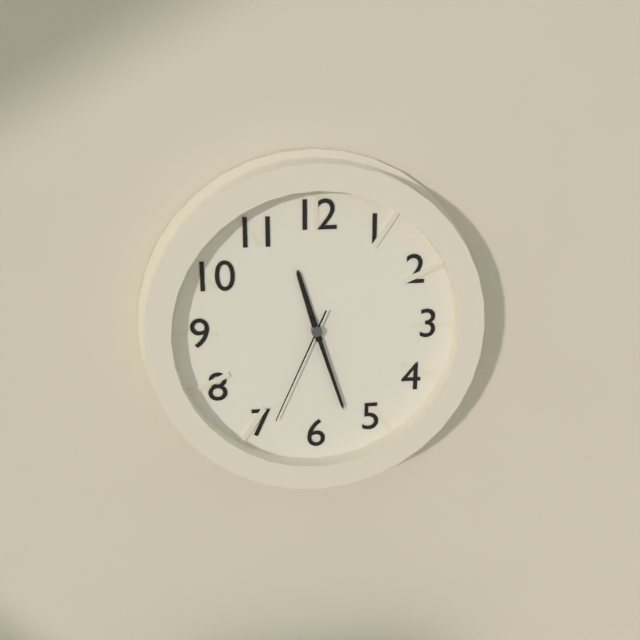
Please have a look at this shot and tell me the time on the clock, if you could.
11:27:34
